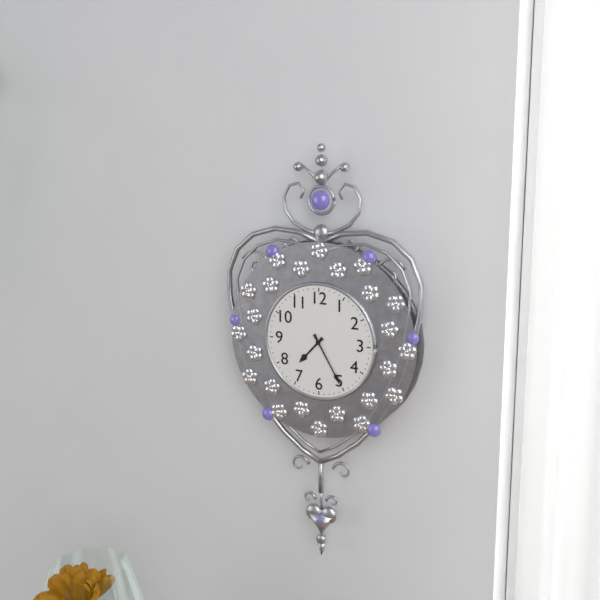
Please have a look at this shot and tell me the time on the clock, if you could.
7:25
